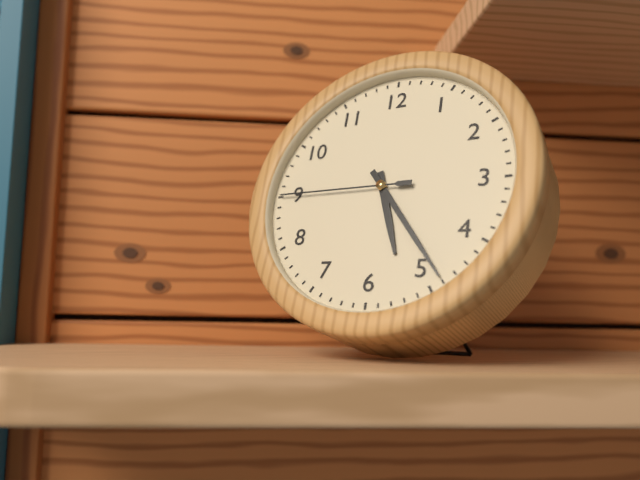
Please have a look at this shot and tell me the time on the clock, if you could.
5:24:45
